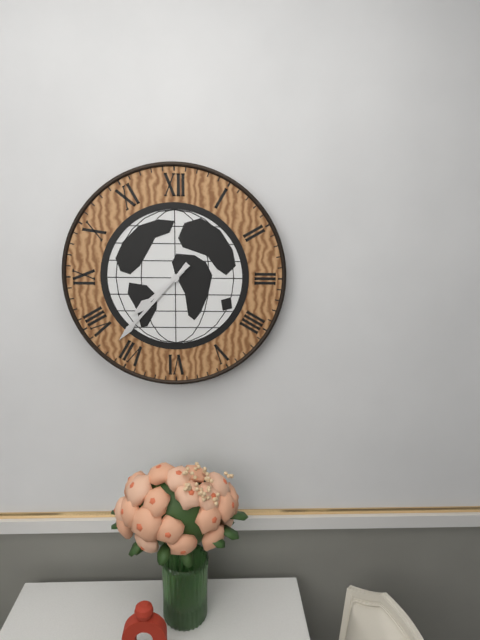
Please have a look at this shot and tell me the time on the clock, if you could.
7:37
